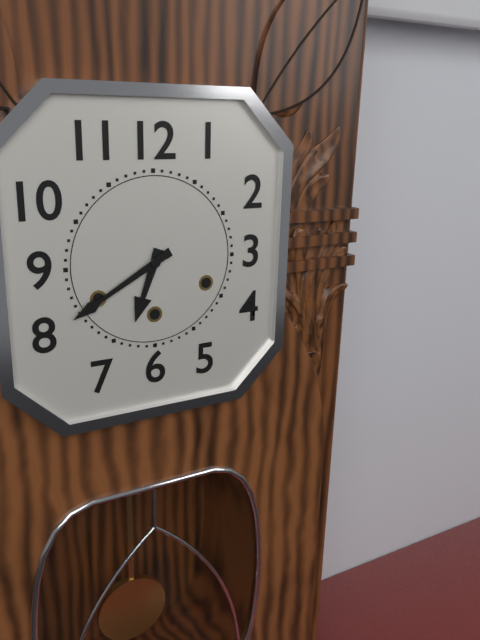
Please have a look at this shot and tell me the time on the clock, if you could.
6:40
